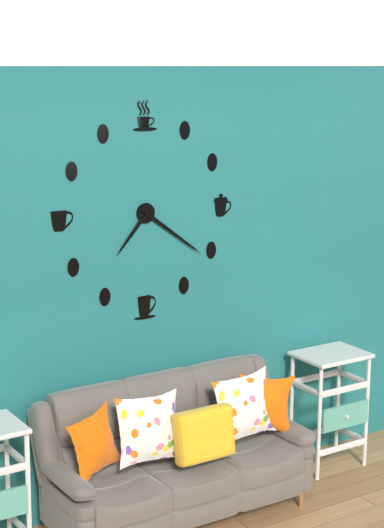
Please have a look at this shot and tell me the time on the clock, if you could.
7:21
